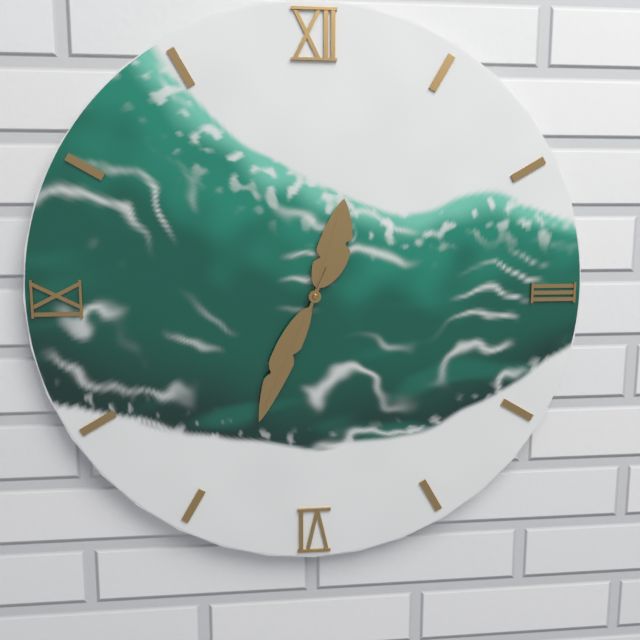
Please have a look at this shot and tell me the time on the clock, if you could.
12:34
